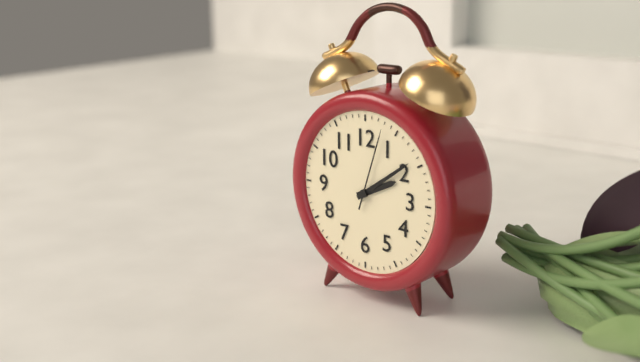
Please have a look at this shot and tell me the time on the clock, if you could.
2:09:03
